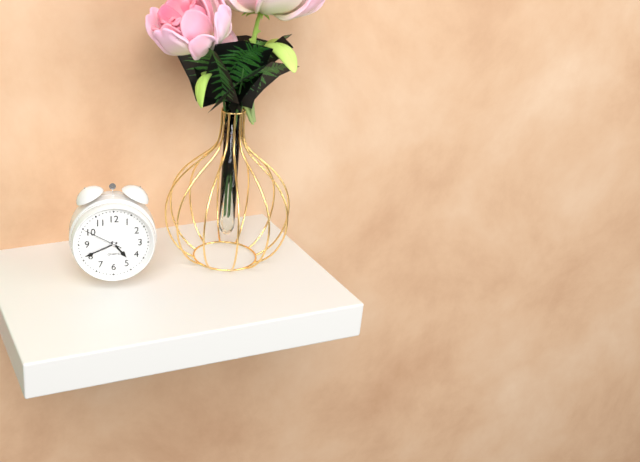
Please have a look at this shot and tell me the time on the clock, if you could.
4:41
